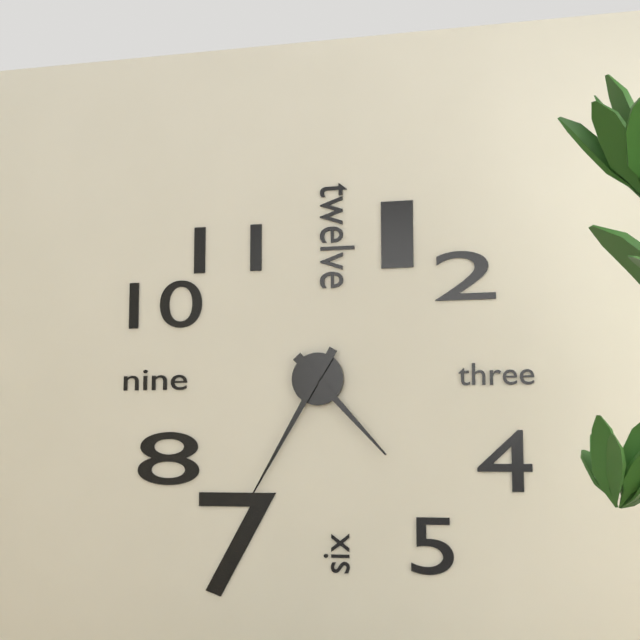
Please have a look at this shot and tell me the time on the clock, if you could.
4:35
